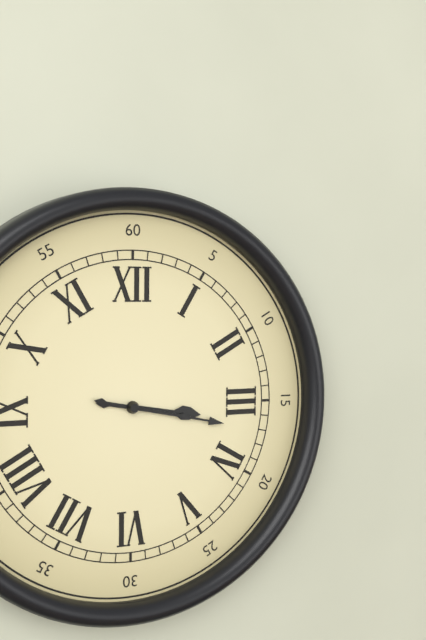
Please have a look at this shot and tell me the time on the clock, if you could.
3:17
